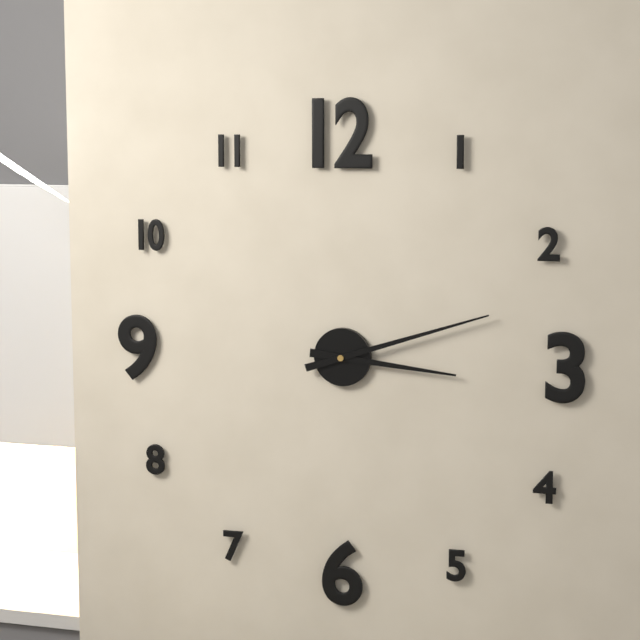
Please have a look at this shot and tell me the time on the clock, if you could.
3:12
